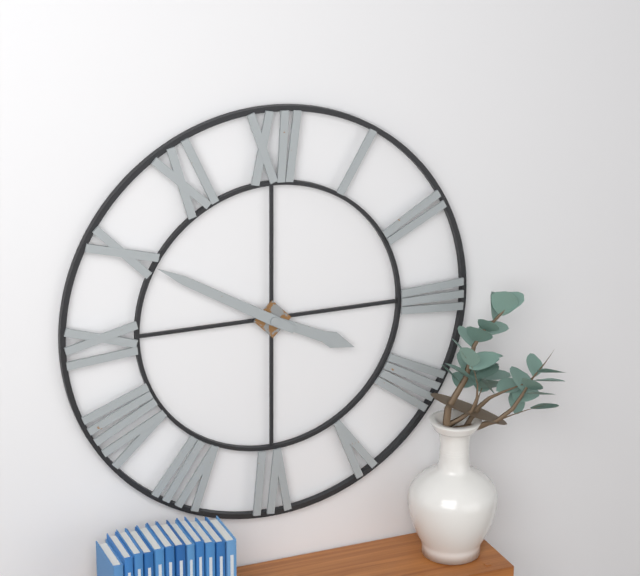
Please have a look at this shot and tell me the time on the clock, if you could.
3:50
